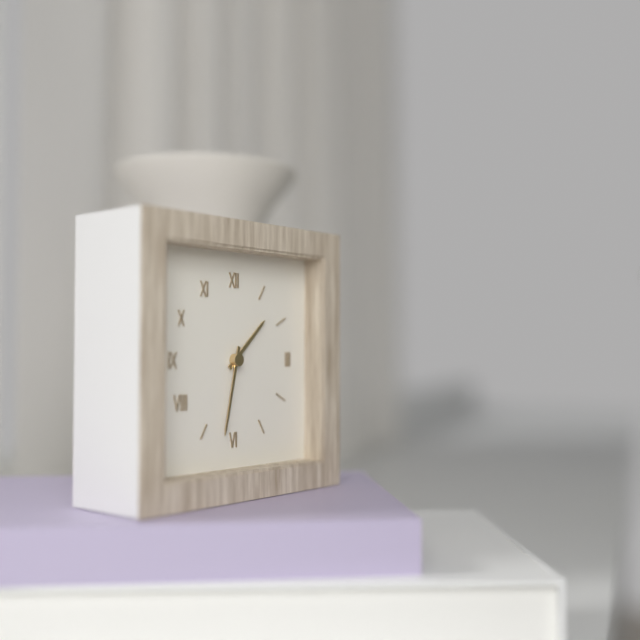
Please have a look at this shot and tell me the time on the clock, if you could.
1:32
